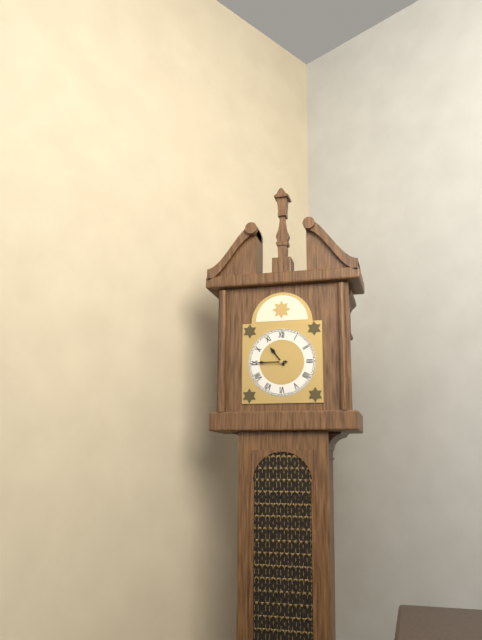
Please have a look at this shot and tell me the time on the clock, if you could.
10:45
